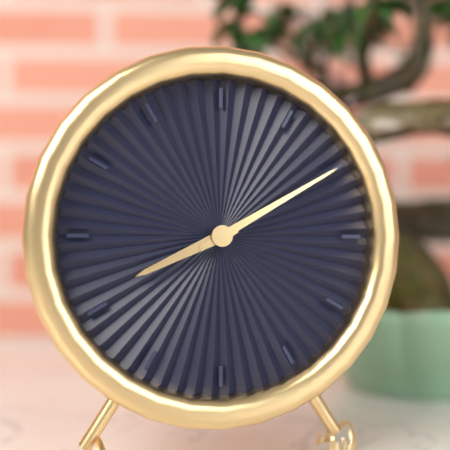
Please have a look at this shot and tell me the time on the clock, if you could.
8:10
